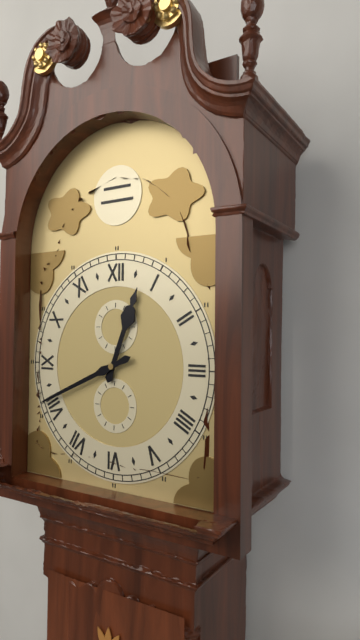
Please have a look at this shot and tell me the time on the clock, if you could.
12:41
